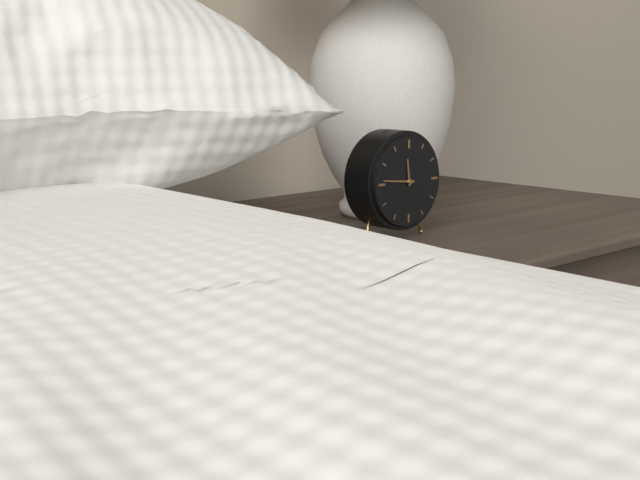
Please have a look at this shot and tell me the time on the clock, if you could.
11:46
